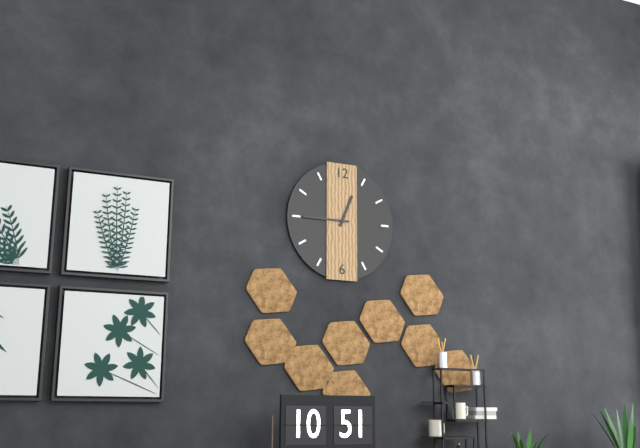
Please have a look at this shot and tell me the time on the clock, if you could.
12:45
